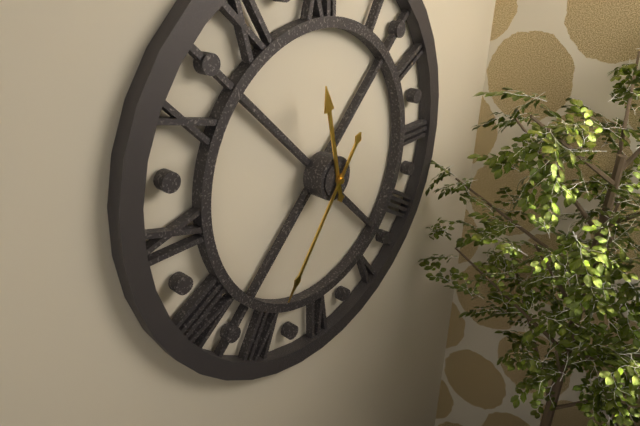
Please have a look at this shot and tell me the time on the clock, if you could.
11:36
